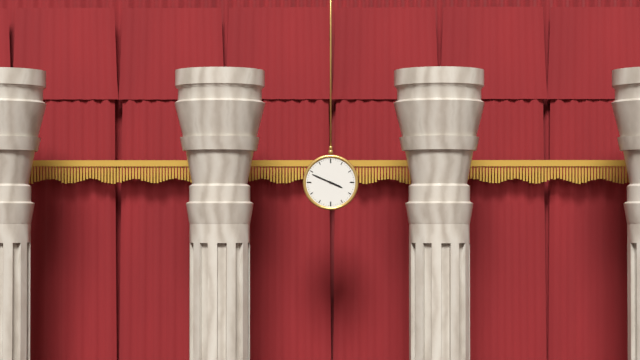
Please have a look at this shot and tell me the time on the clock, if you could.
3:49
